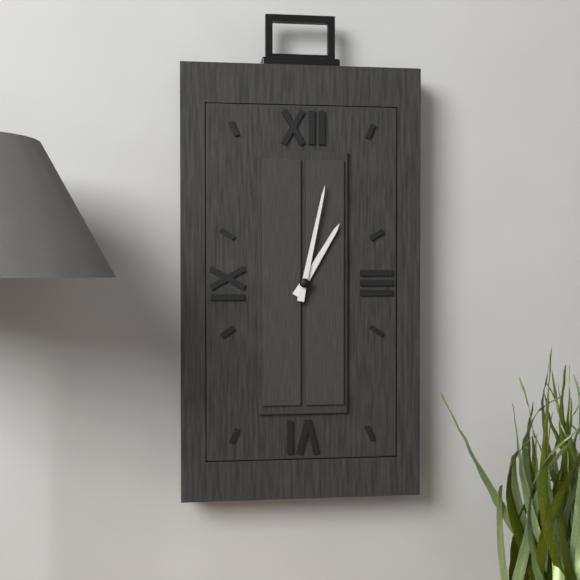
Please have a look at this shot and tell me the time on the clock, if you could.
1:02
